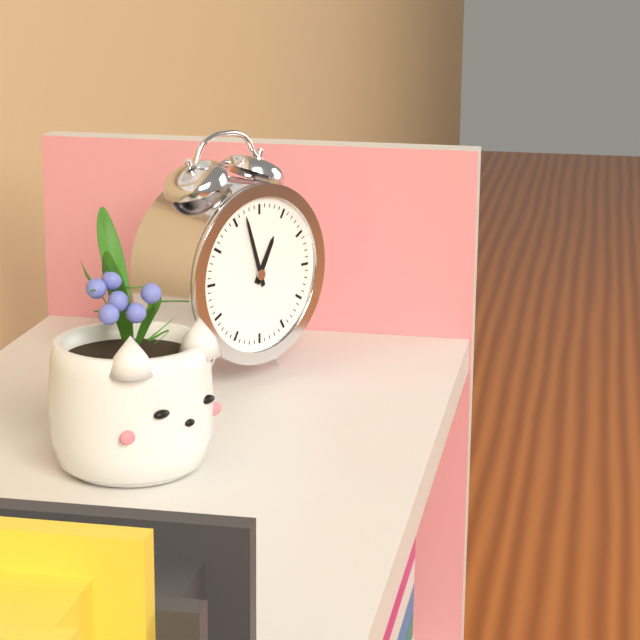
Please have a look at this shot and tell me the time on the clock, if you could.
12:57
